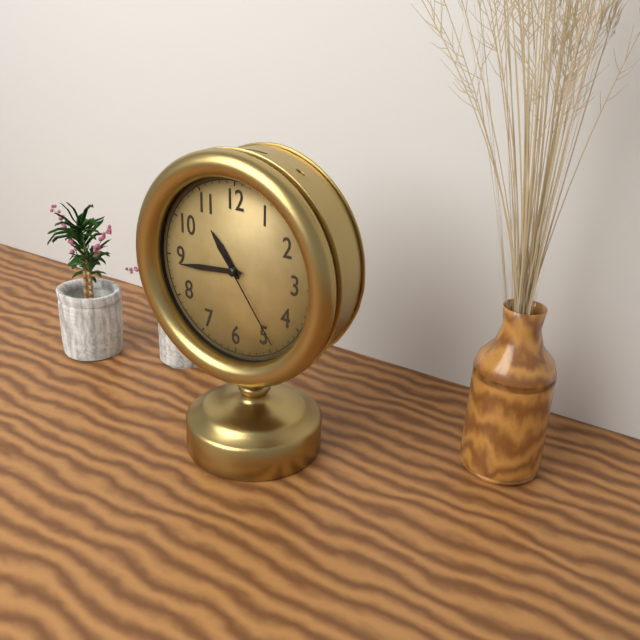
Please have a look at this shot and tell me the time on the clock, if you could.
10:44:24
